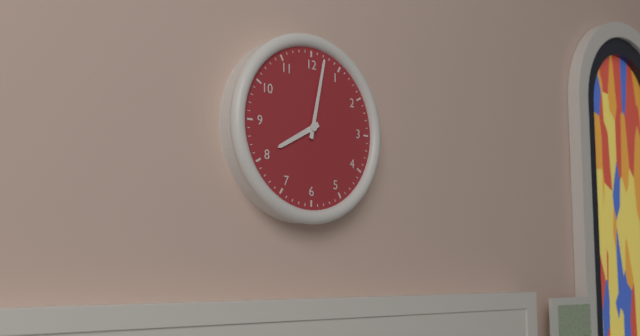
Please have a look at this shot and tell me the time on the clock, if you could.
8:02
